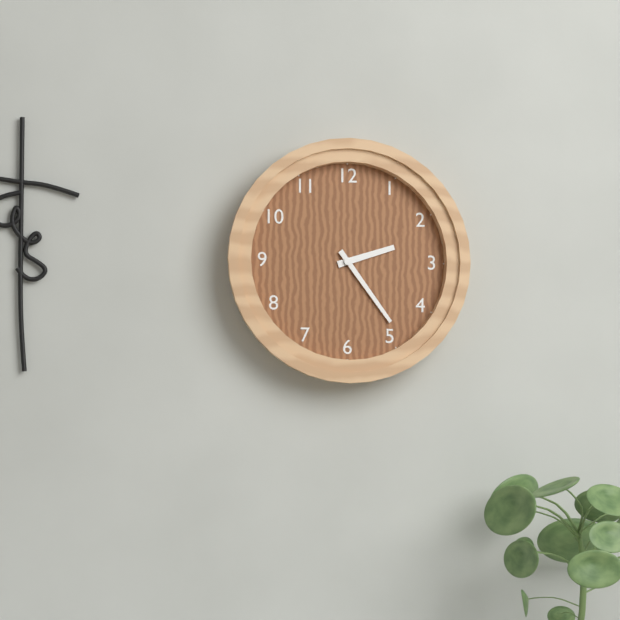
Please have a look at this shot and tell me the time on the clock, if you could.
2:24
